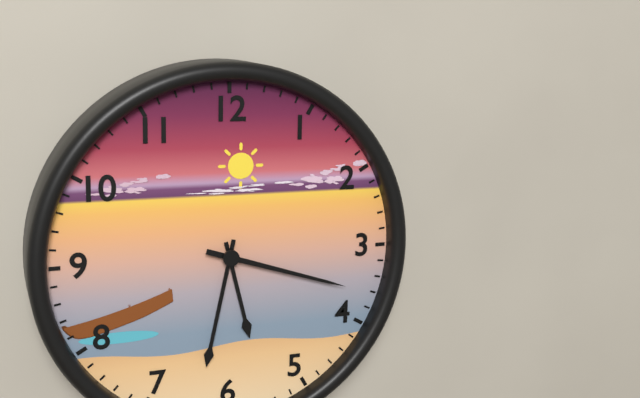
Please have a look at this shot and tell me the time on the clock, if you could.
5:32:18
